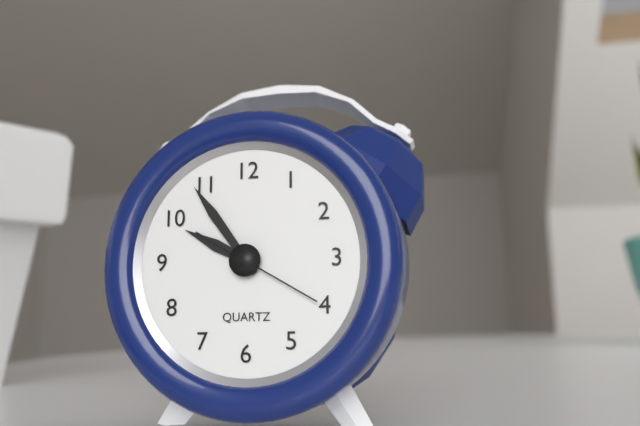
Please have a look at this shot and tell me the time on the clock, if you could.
9:54:20
